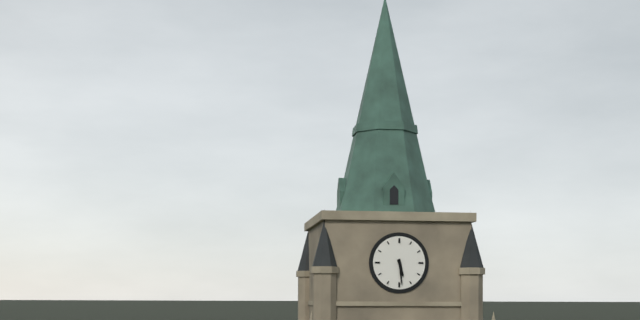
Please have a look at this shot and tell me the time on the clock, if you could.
5:29
